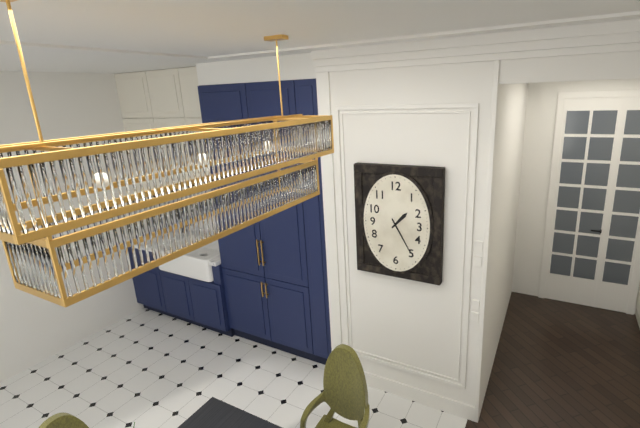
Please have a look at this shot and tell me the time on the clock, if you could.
1:25
